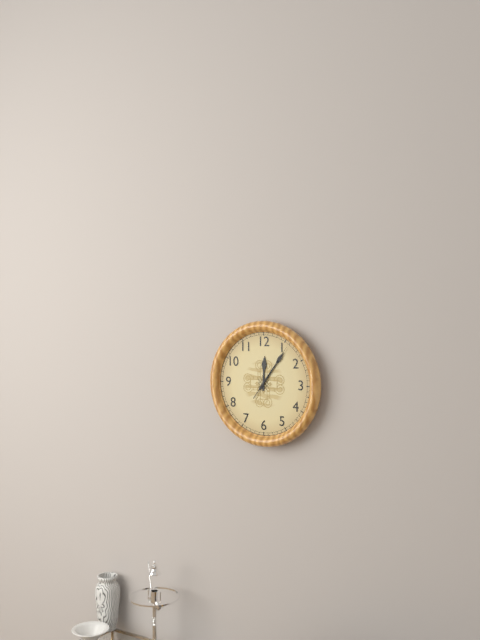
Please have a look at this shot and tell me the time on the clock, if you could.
12:06:06
